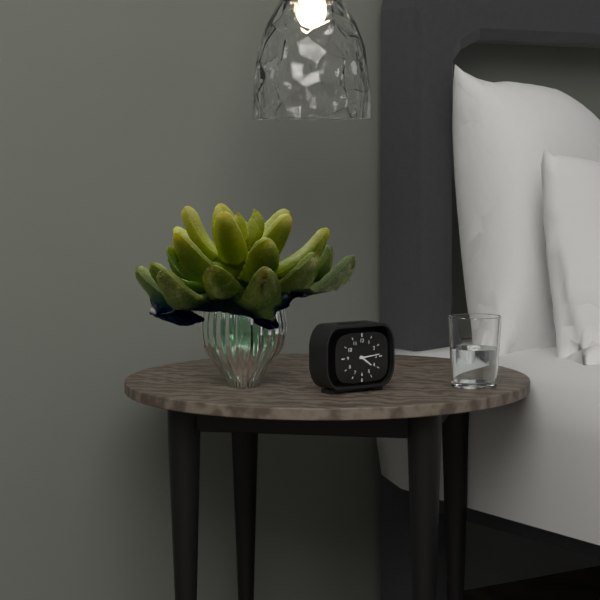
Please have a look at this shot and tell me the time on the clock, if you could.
4:14
